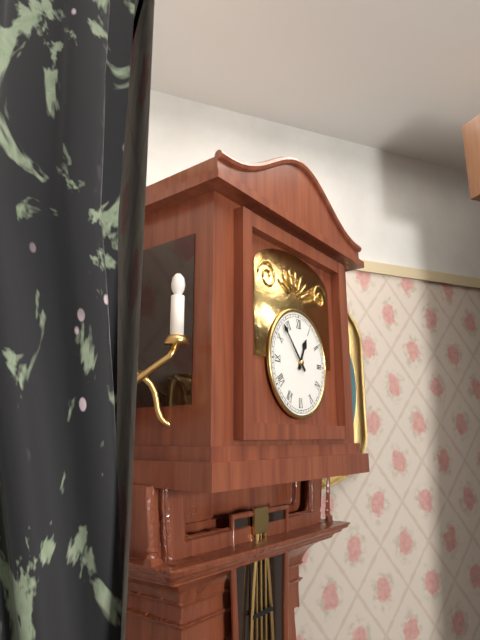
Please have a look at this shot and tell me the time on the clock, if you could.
12:53
